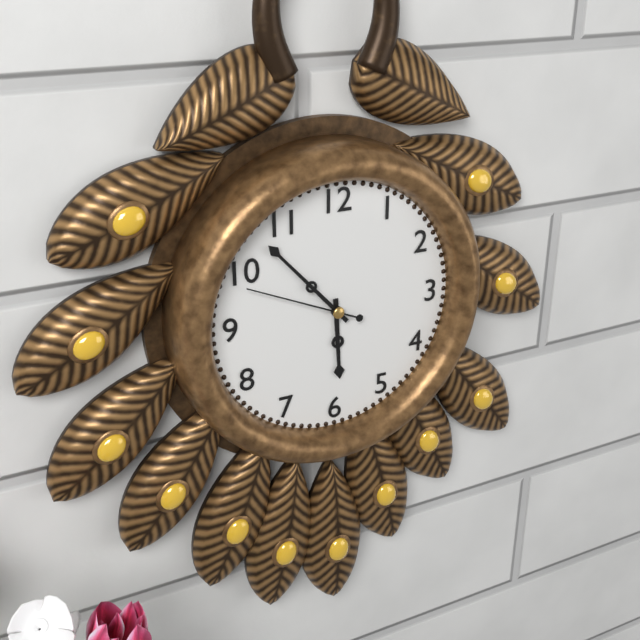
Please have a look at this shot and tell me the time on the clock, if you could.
5:53:49
